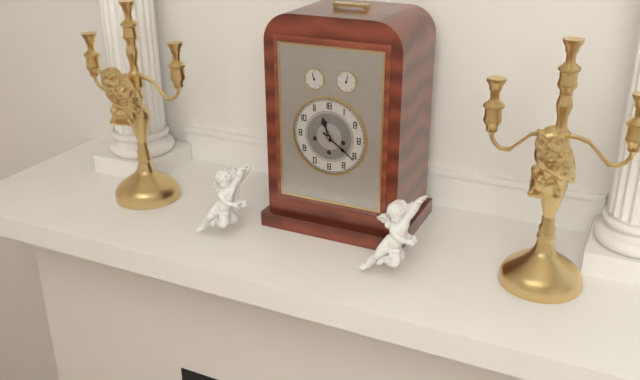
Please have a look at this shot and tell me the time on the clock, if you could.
11:21
